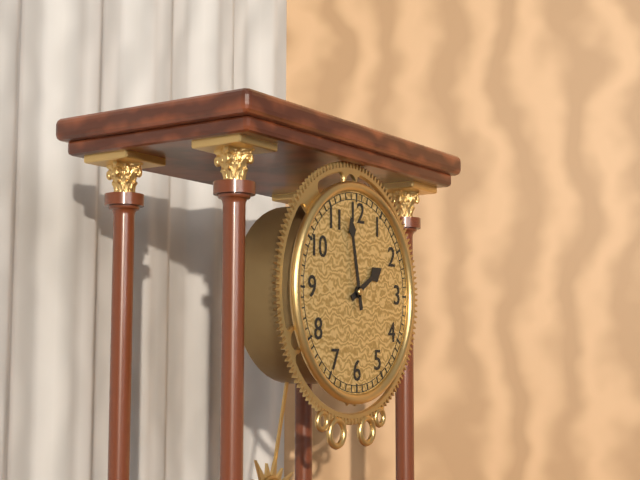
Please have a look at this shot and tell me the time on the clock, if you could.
1:58
